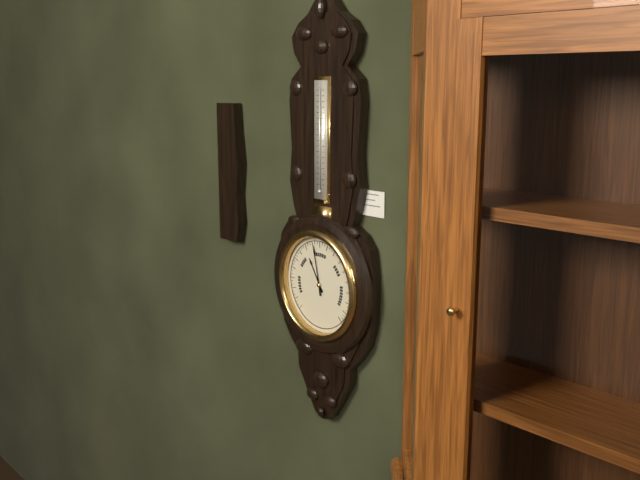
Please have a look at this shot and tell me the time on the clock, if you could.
10:58
